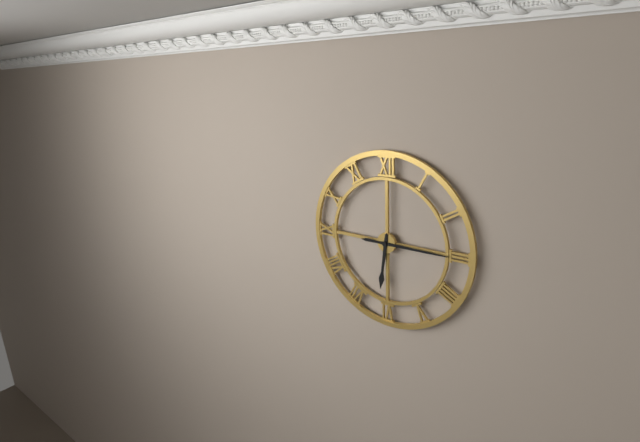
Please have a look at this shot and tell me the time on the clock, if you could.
6:15
